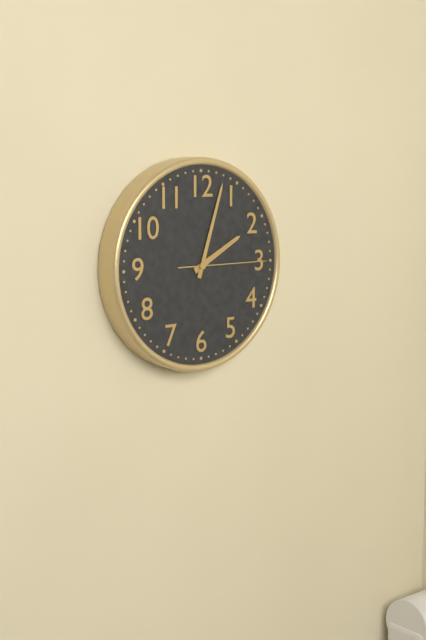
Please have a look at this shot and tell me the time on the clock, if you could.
2:03:15
